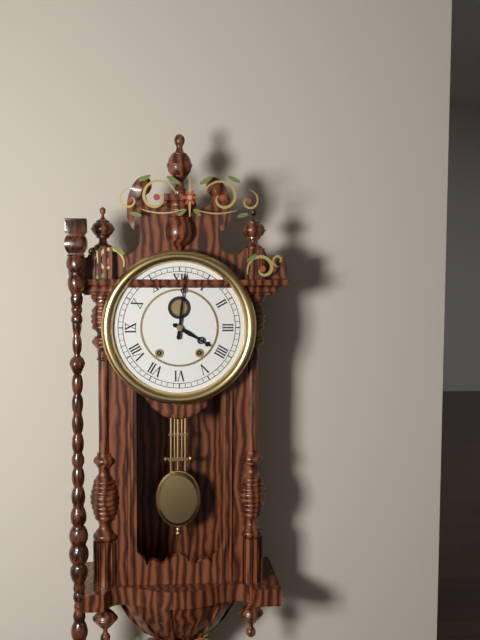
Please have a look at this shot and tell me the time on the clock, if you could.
4:01
